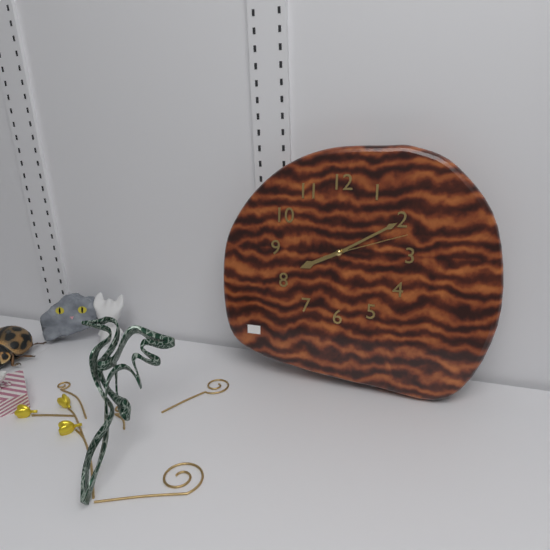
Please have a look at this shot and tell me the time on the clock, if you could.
8:10:12
